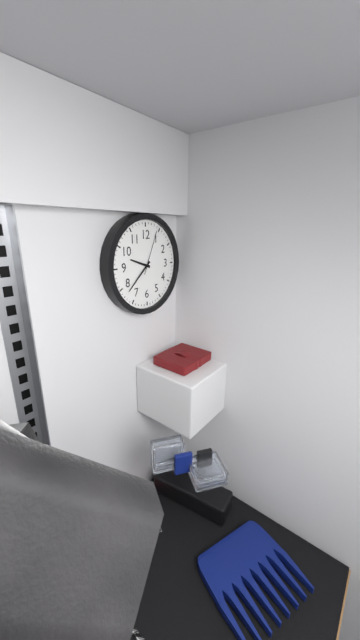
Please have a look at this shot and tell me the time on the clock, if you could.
9:38
